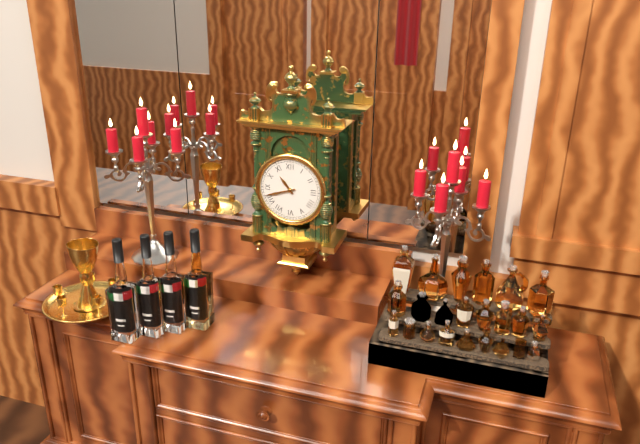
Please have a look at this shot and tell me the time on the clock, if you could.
10:42
